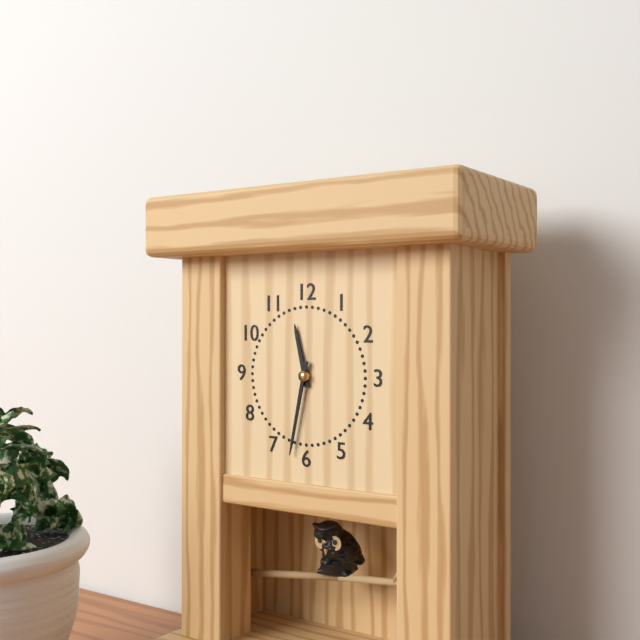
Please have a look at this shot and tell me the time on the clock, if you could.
11:32
